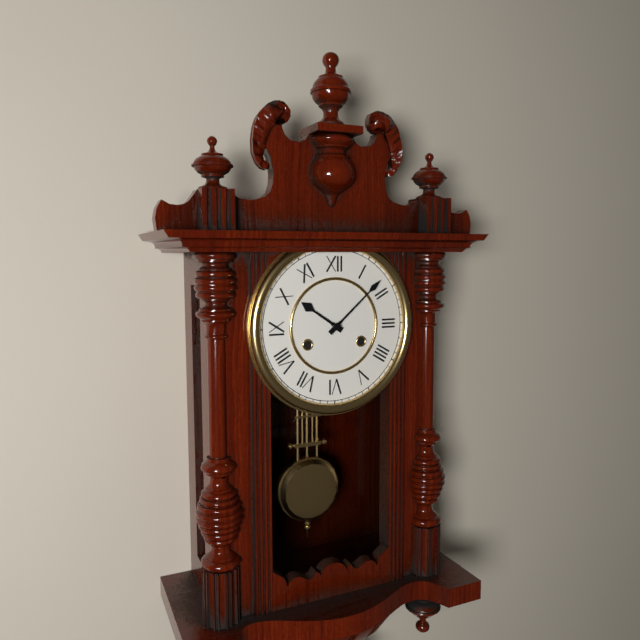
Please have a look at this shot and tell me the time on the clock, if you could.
10:08
